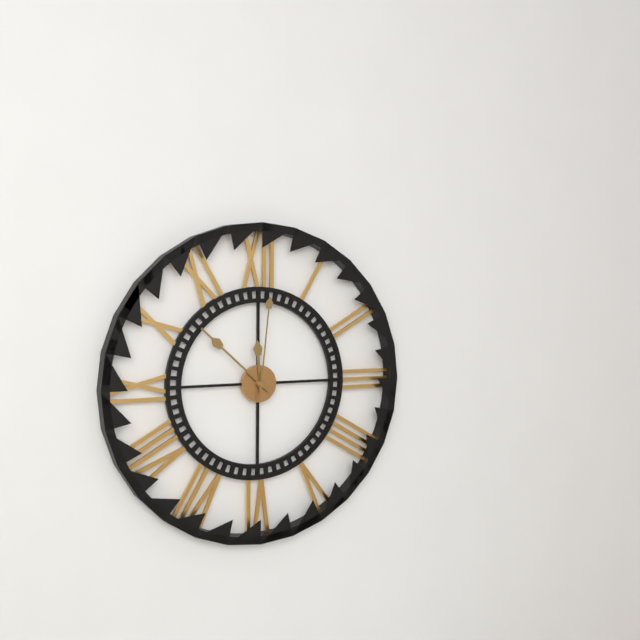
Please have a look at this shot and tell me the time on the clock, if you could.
11:52:01
